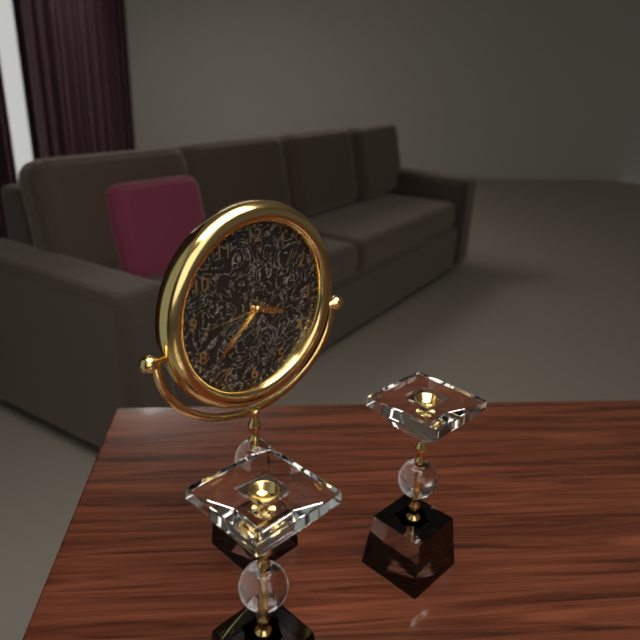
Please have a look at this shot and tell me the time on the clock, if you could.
3:38:44
